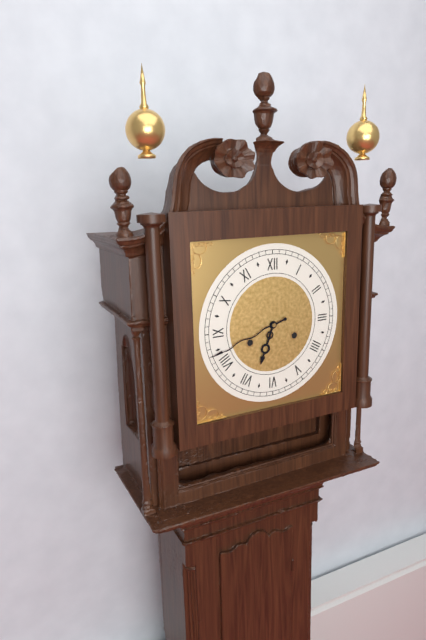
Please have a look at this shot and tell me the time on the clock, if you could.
6:42
